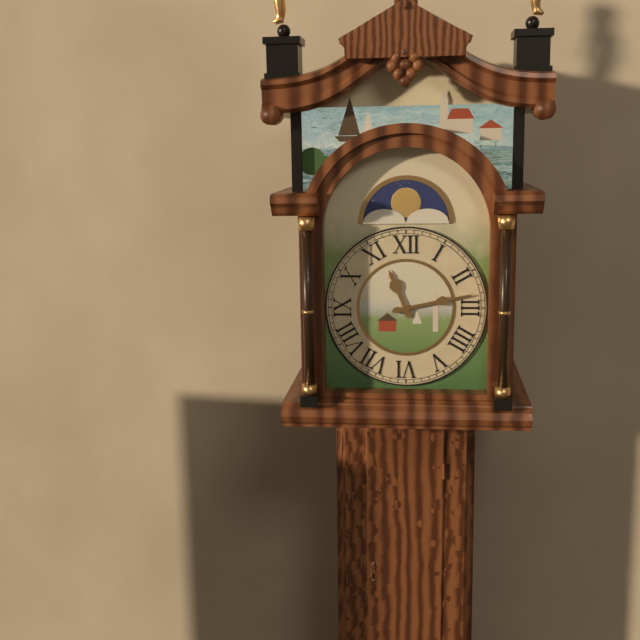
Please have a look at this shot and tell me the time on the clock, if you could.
11:13
